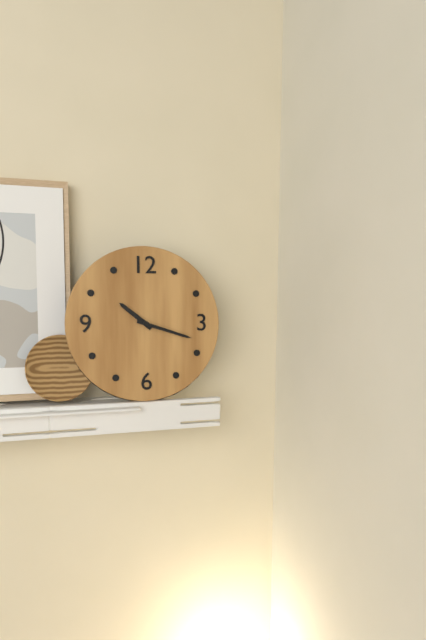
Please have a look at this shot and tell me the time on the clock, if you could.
10:18
